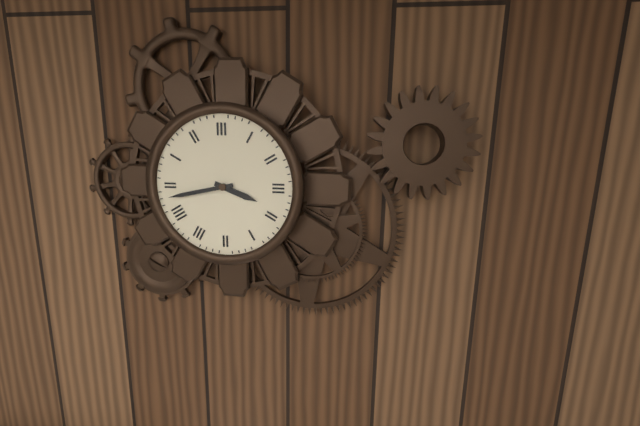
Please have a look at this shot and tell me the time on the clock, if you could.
3:43
